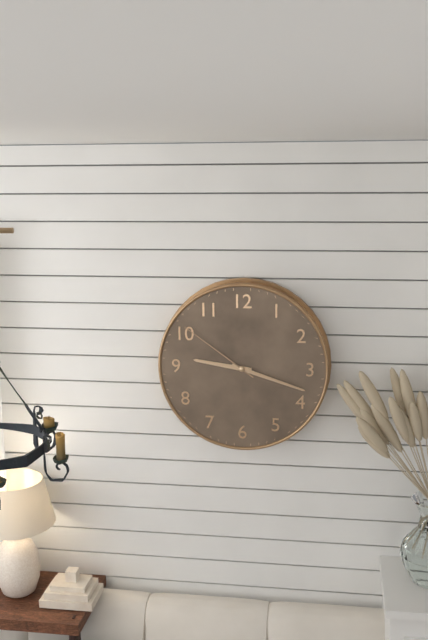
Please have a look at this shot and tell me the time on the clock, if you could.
9:18:51
